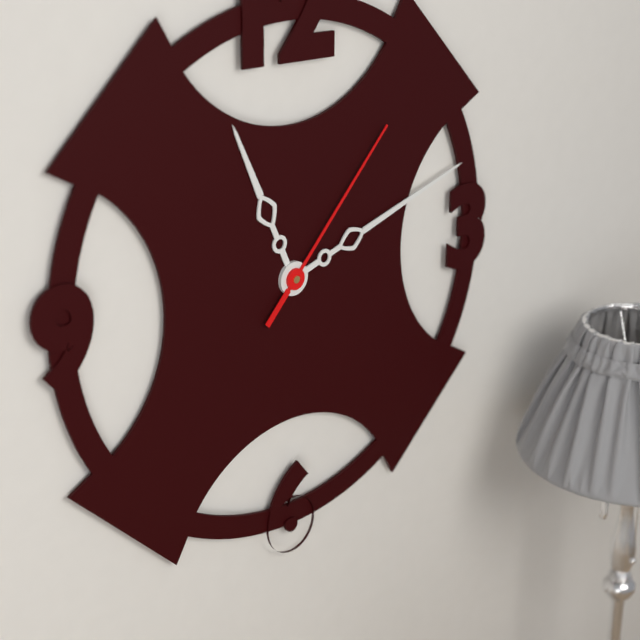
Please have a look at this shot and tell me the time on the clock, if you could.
11:12:07
